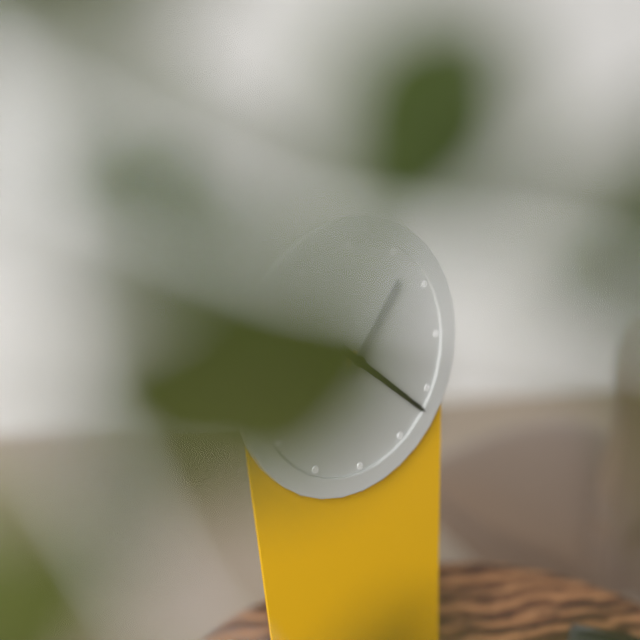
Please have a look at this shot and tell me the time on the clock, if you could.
1:22
